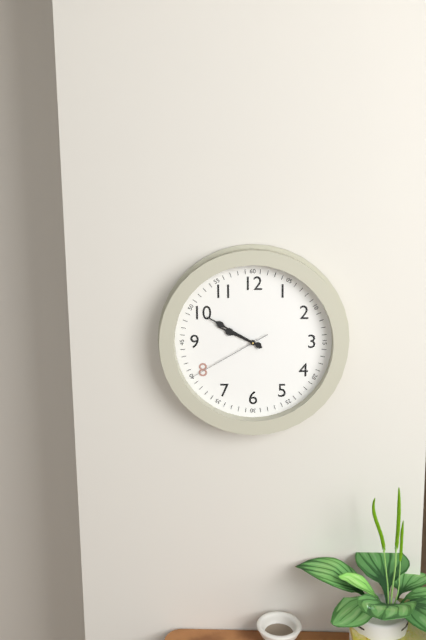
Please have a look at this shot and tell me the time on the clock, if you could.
9:50:40
